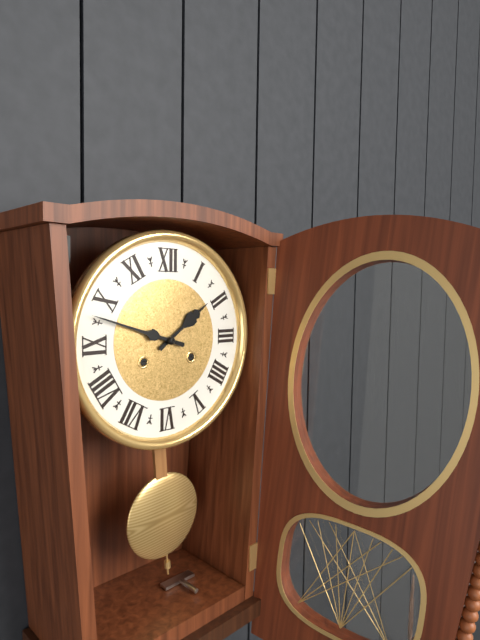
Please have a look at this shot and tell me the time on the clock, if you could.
1:48
